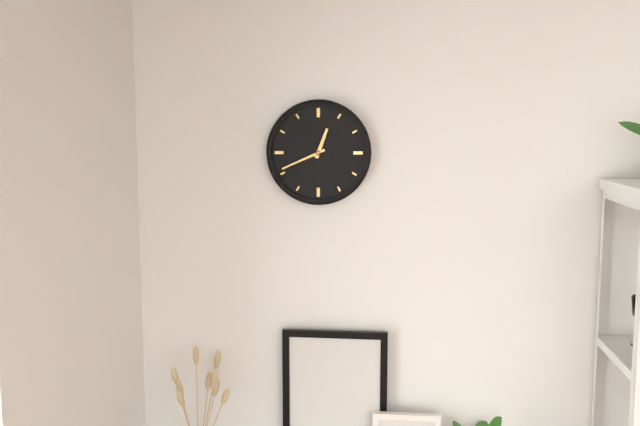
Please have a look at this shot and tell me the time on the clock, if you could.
12:41
